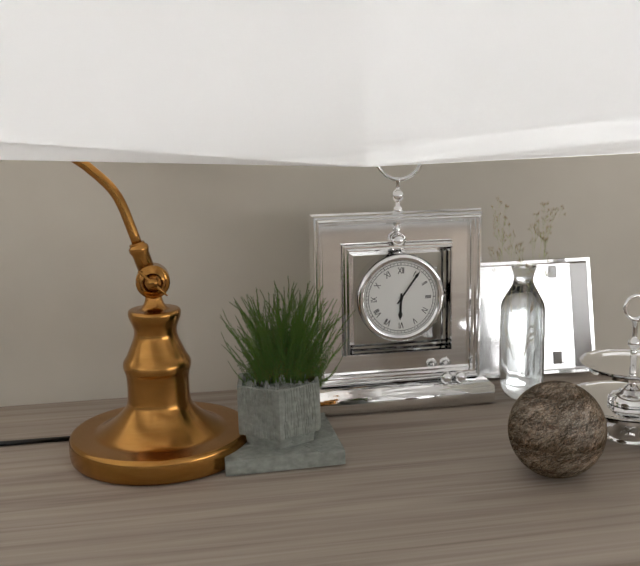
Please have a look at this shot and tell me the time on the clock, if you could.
6:06
